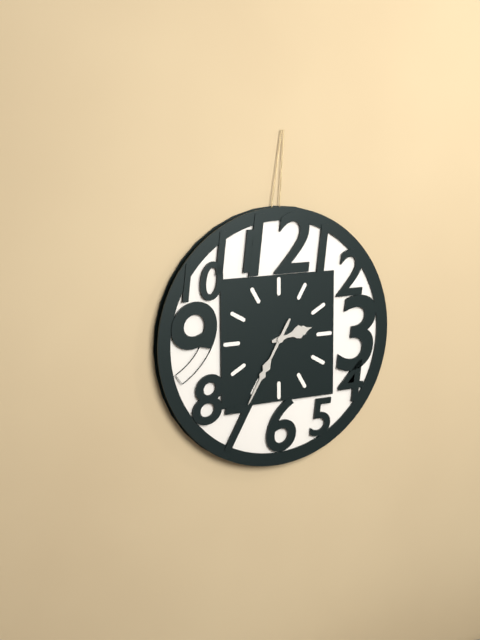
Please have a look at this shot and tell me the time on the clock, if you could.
2:35
